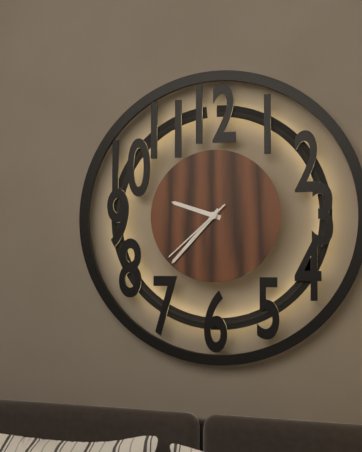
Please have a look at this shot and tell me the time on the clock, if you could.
9:37:38
